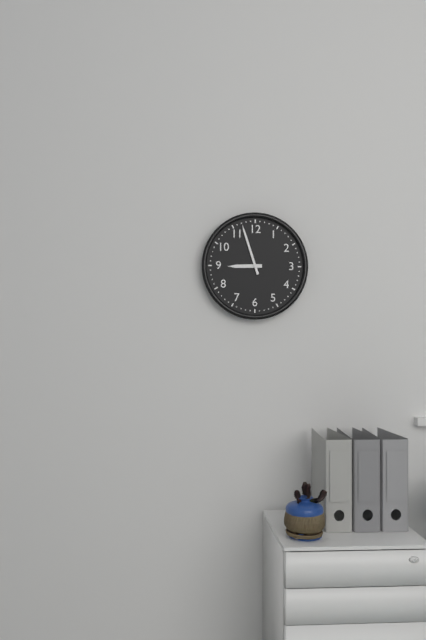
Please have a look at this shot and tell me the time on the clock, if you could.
8:57
